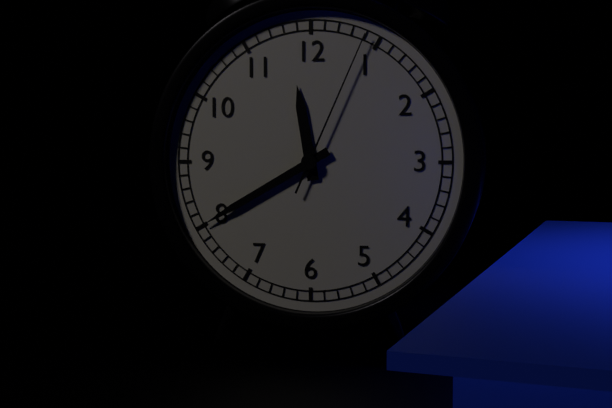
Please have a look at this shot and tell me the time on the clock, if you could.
11:40:04
